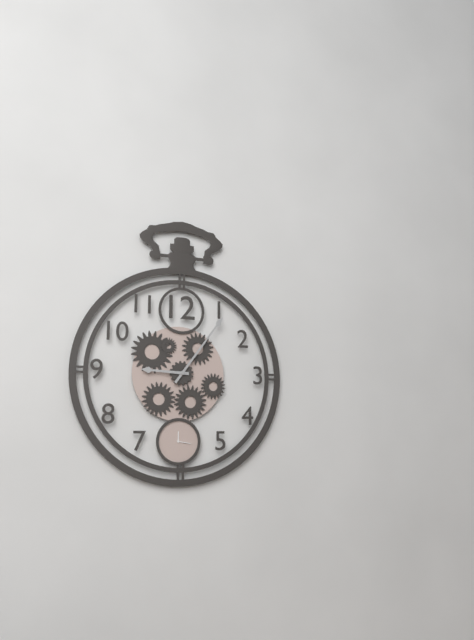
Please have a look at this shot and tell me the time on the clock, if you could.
9:06
